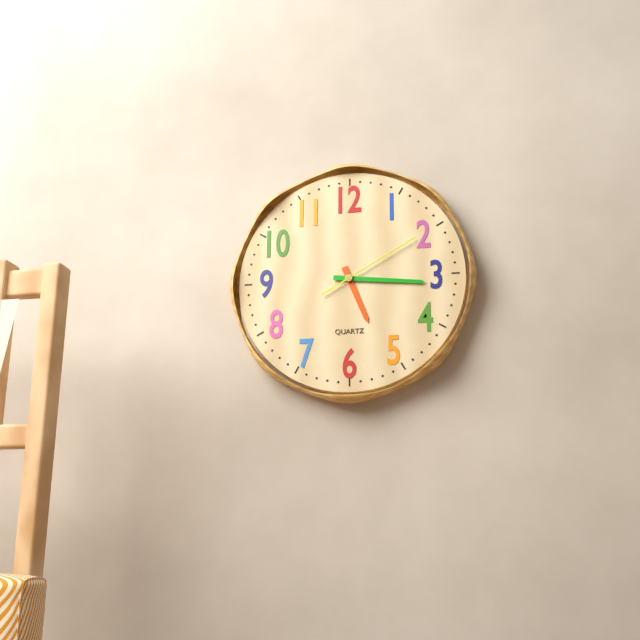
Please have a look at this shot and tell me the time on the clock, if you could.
5:16:10
